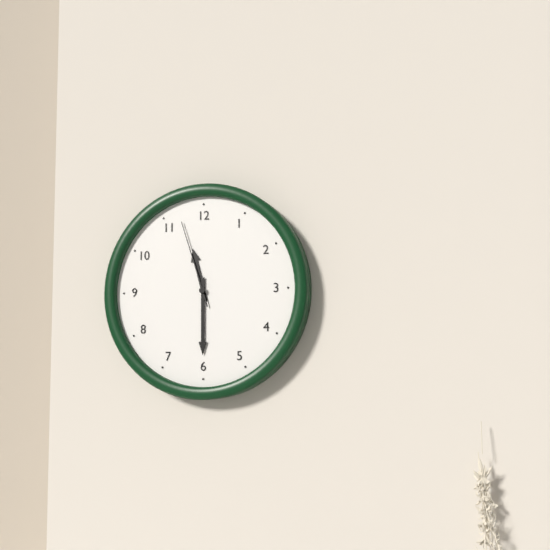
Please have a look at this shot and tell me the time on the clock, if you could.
11:30:57
